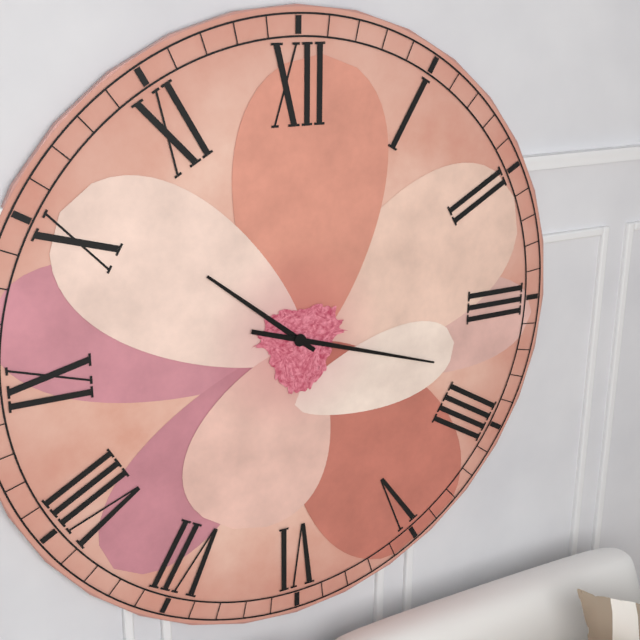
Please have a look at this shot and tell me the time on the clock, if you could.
10:18
